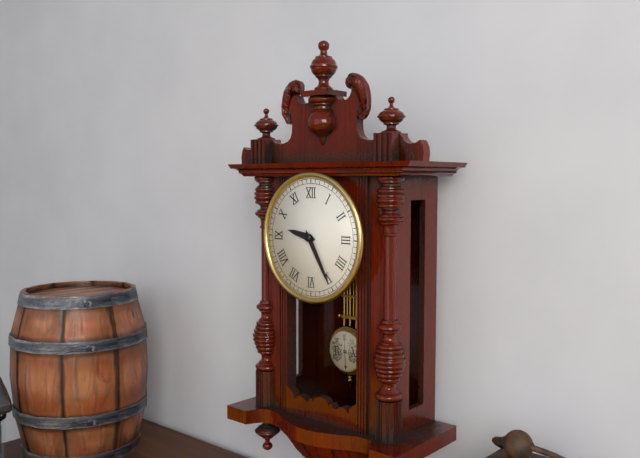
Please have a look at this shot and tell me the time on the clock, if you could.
9:25
